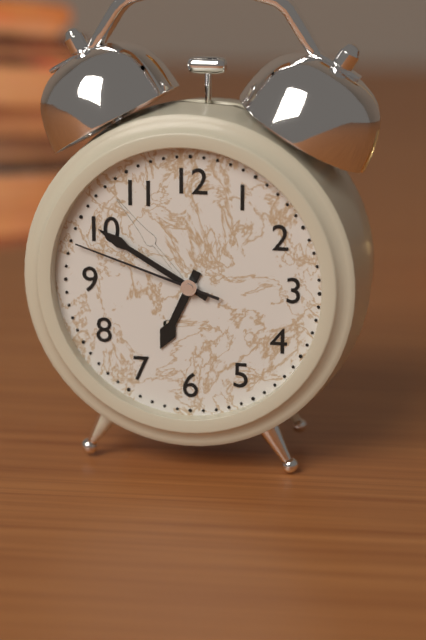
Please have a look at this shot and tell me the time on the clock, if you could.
6:50:48
